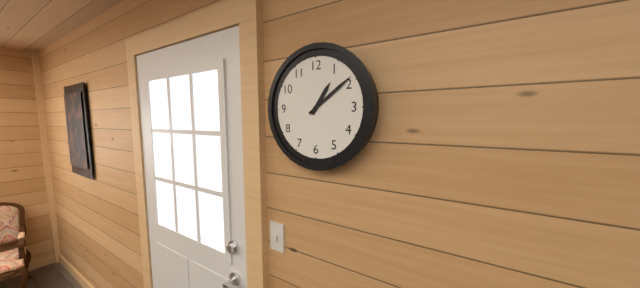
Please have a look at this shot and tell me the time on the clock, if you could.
1:09
